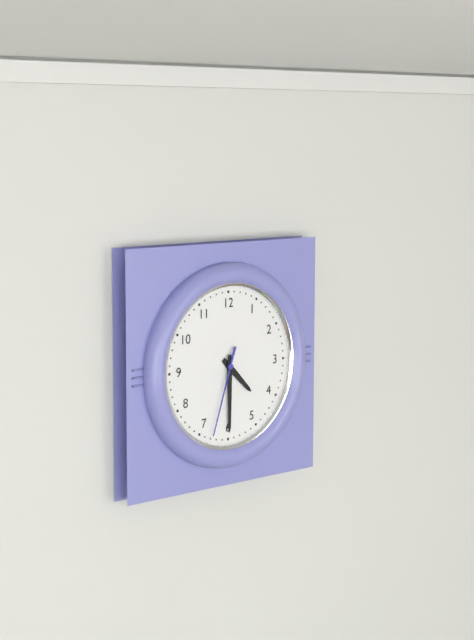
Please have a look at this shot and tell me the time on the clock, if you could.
4:30:33
